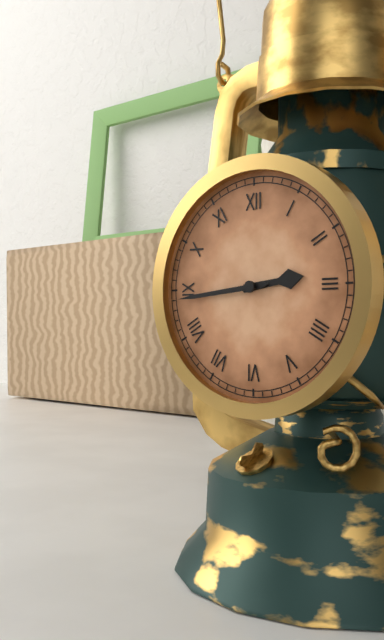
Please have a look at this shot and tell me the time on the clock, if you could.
2:44
